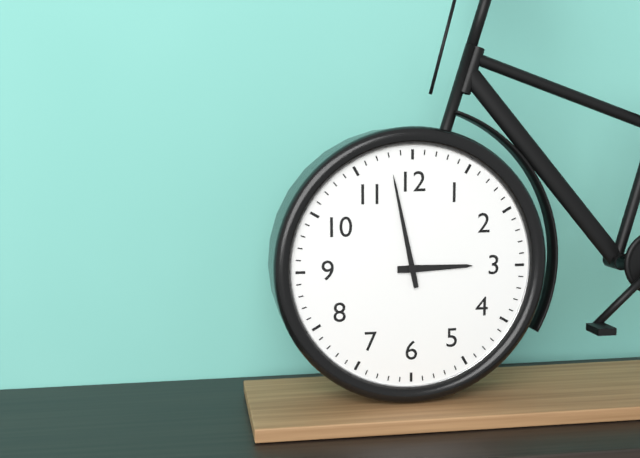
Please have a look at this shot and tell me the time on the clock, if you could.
2:58
